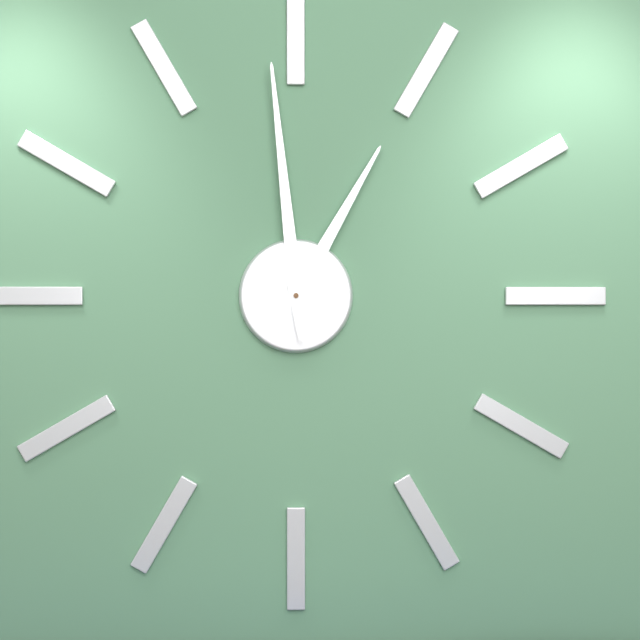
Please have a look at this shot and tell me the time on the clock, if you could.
12:59
